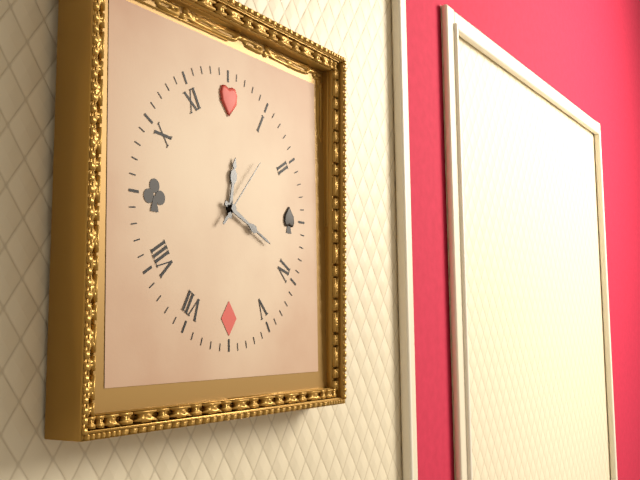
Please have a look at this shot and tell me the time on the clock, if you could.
12:19:07
